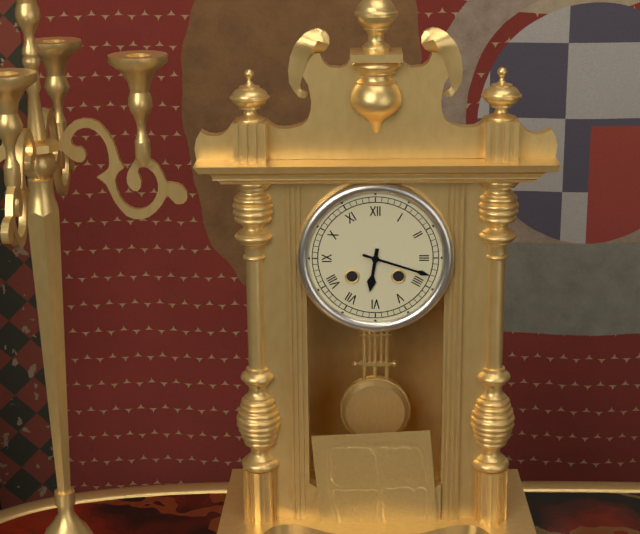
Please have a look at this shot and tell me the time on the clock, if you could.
6:18
